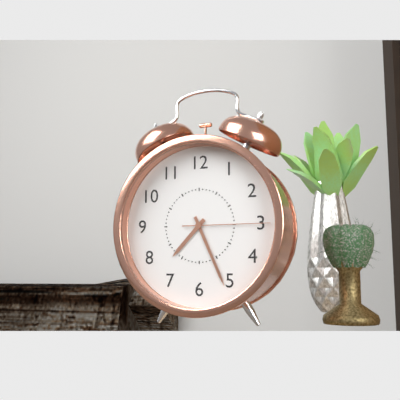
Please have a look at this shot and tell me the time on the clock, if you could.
7:26:15
